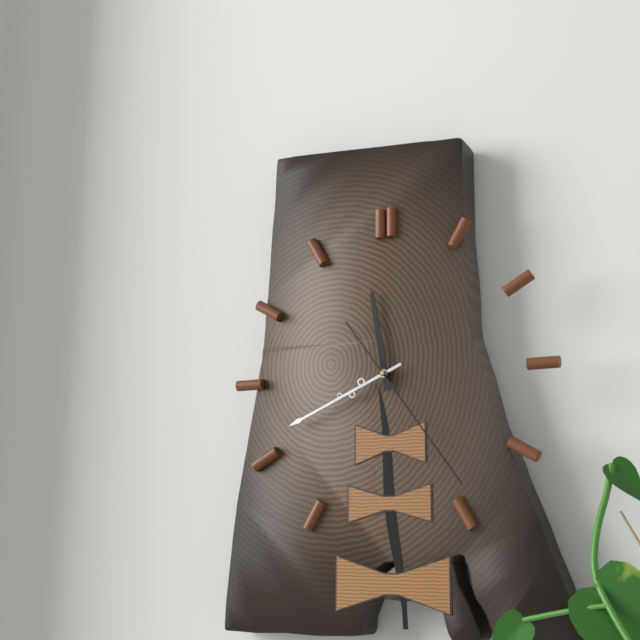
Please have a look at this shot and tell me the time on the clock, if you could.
11:41:24
